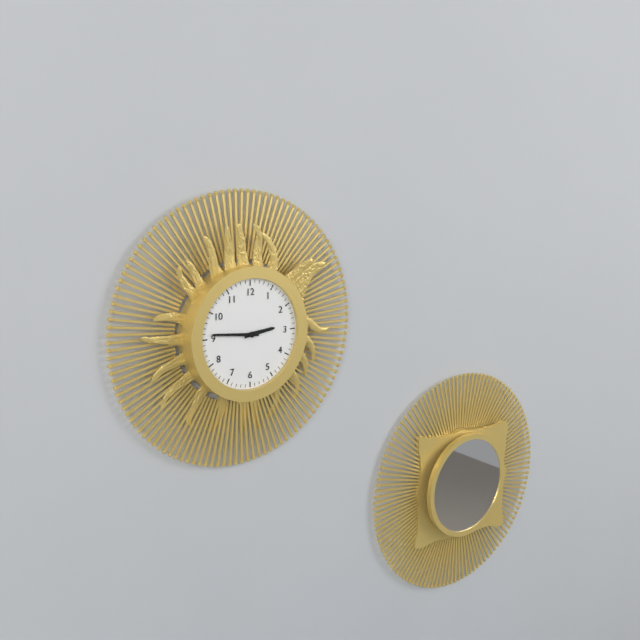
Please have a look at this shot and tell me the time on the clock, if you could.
2:46
